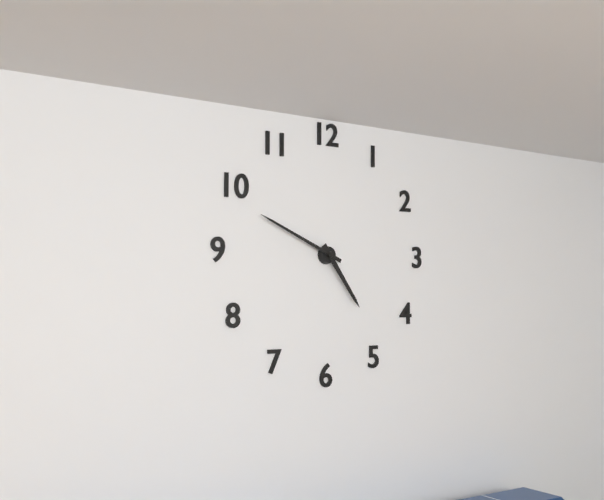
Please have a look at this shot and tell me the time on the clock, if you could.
4:49
